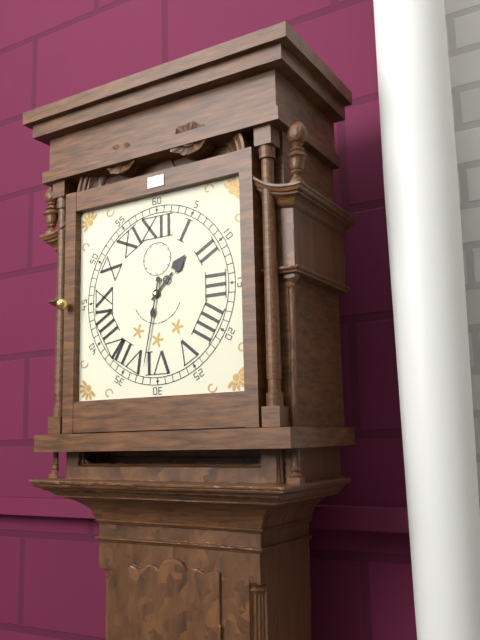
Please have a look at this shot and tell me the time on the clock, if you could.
1:32
